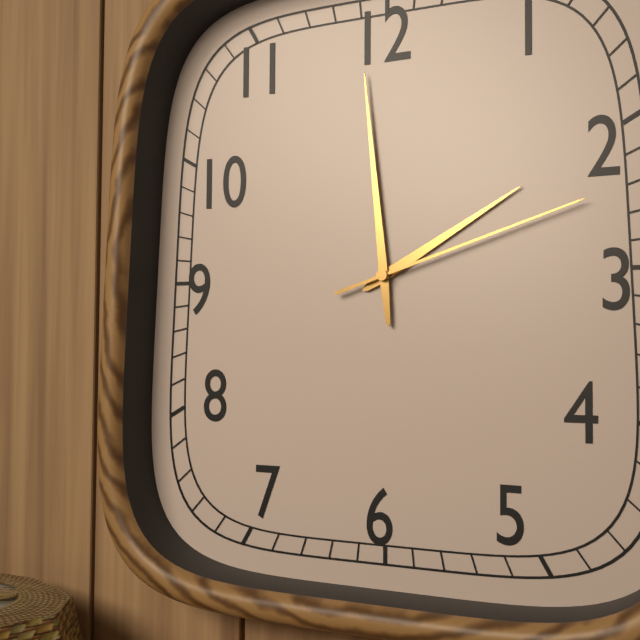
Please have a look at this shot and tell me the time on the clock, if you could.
1:59:12
